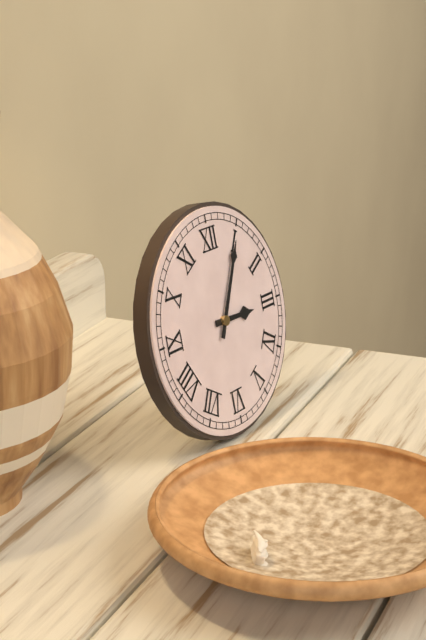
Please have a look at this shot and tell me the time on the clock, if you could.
3:05
